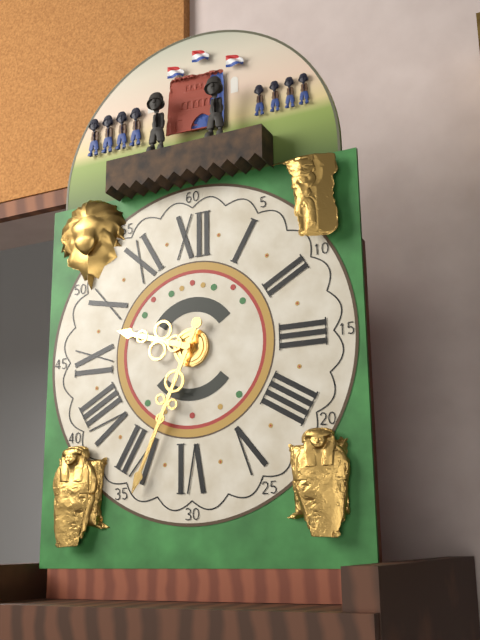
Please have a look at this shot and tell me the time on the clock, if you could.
9:34
